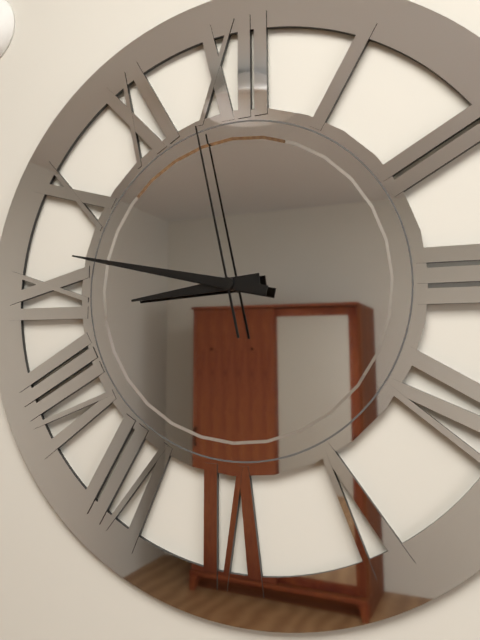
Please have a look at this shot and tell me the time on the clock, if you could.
8:47:58
